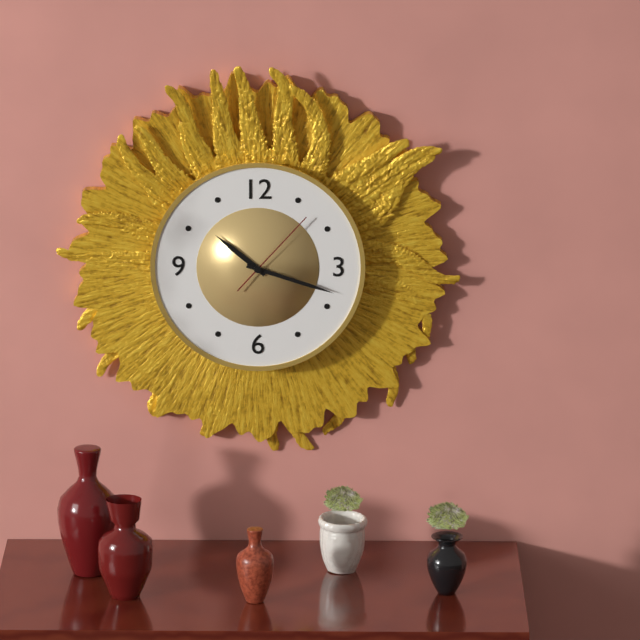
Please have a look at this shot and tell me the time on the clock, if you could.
10:18:07
